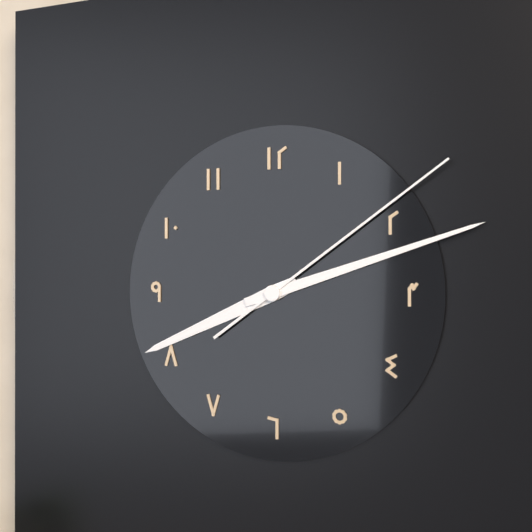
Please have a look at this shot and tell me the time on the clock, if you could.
8:12:09
